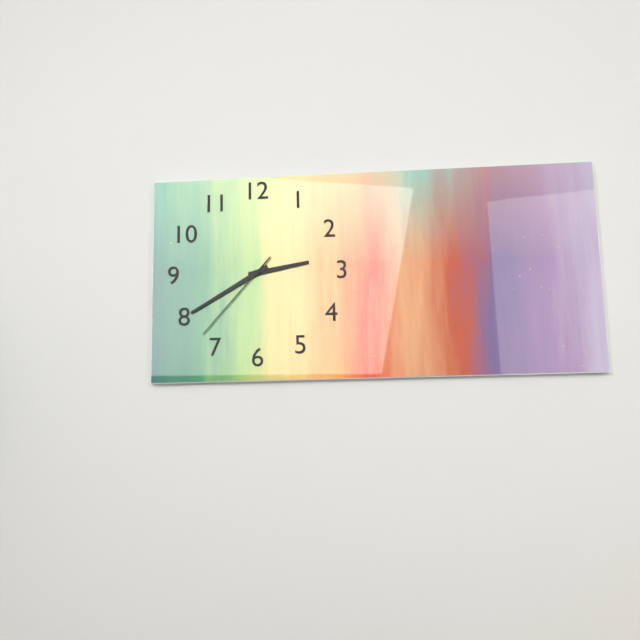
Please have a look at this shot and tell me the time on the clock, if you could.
2:40:37
